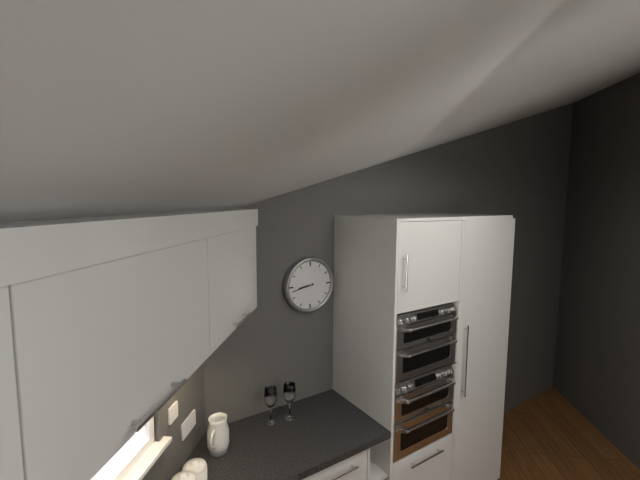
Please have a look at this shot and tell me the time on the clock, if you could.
8:43
